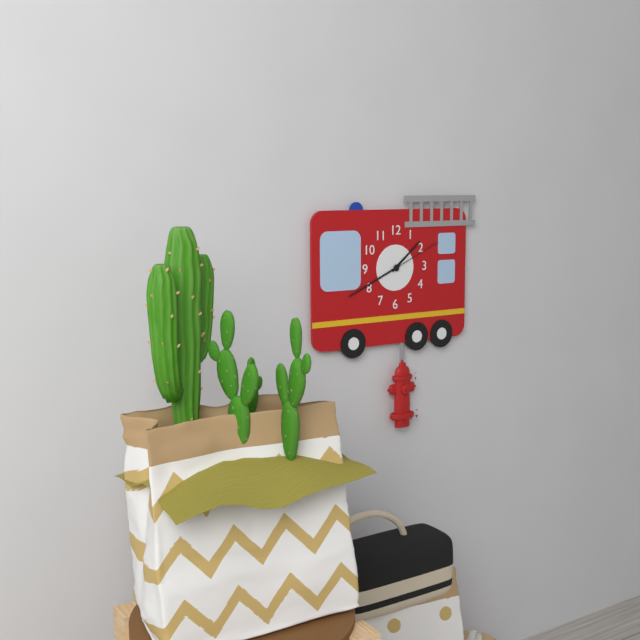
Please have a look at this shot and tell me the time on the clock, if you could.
1:41:11
